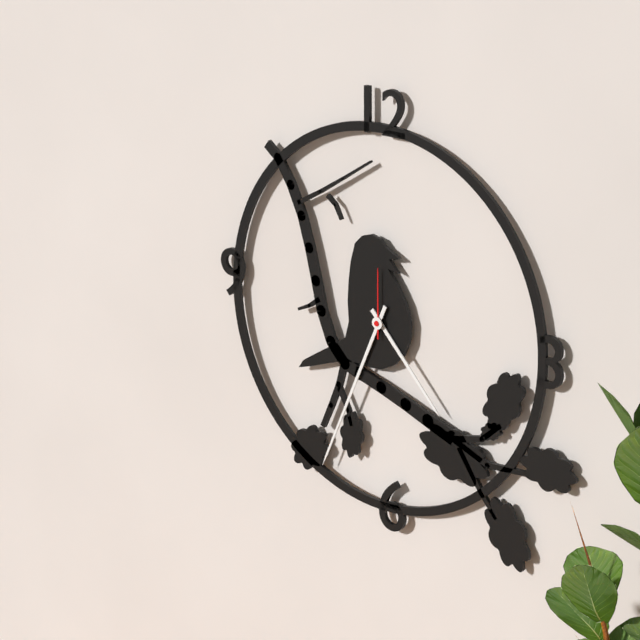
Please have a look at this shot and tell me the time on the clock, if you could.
4:34:00
